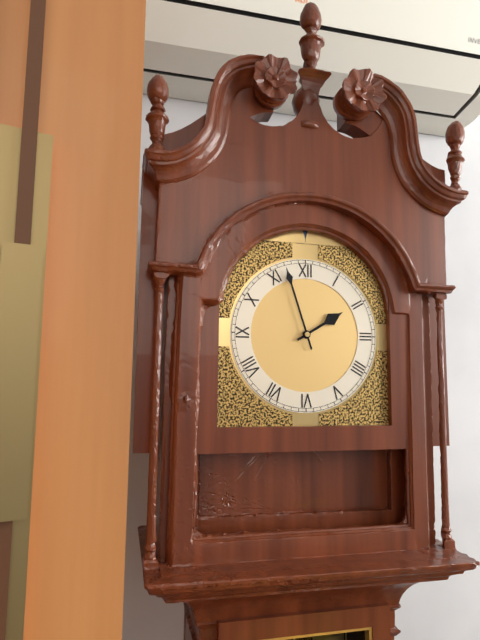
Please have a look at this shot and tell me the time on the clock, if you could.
1:57
